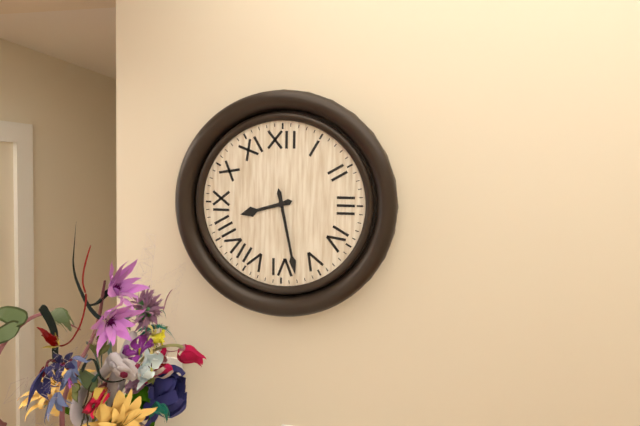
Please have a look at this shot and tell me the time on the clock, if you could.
8:28
